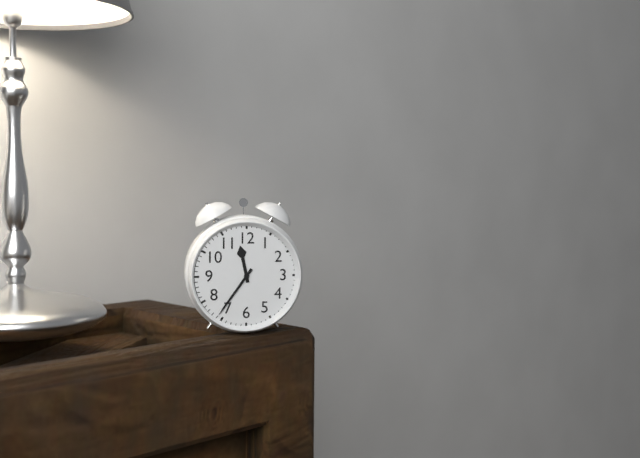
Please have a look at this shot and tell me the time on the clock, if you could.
11:36
